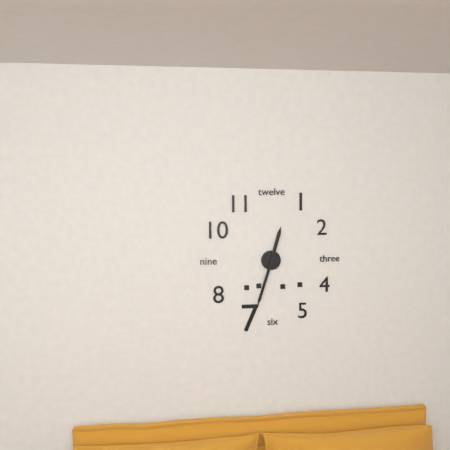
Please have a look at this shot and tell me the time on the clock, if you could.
12:33
